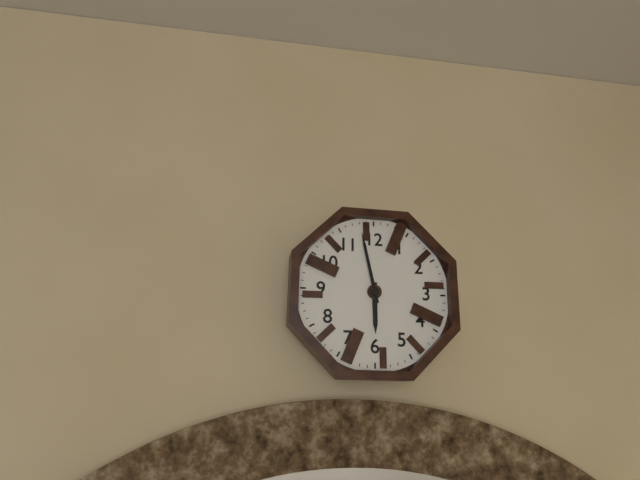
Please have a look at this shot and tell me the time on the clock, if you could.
5:58
